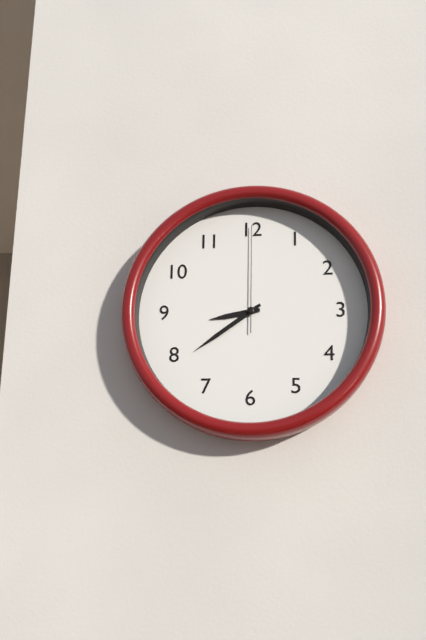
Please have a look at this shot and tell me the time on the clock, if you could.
8:39:00
